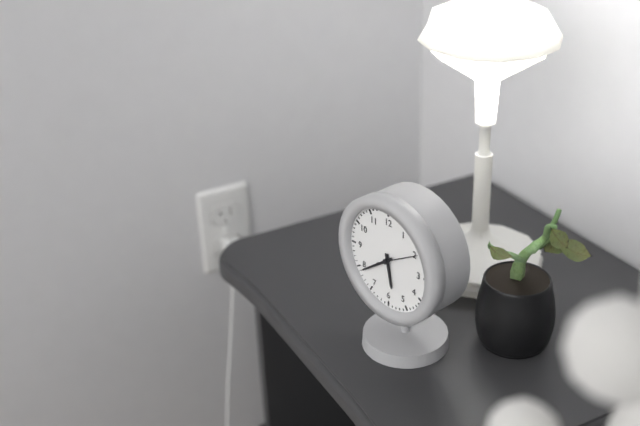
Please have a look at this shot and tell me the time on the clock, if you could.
5:39
